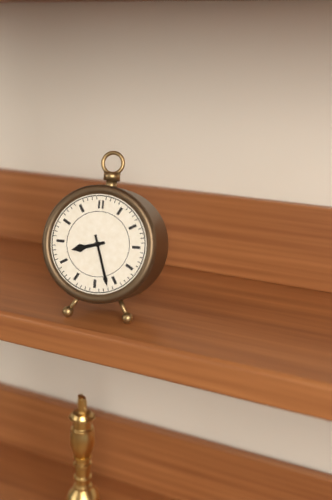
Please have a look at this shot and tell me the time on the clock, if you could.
8:27
